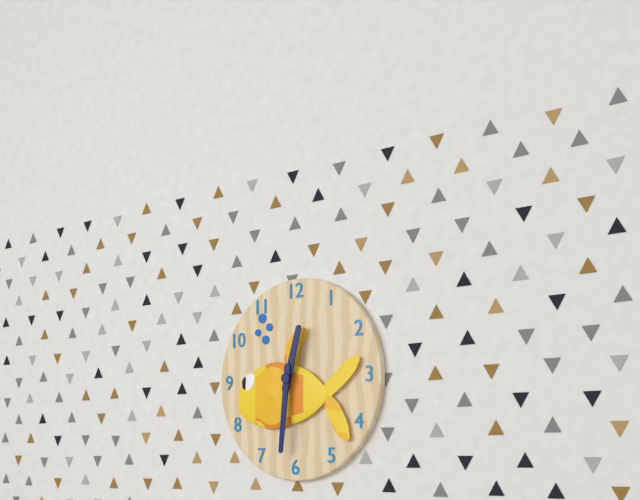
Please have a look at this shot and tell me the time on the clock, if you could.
12:31
